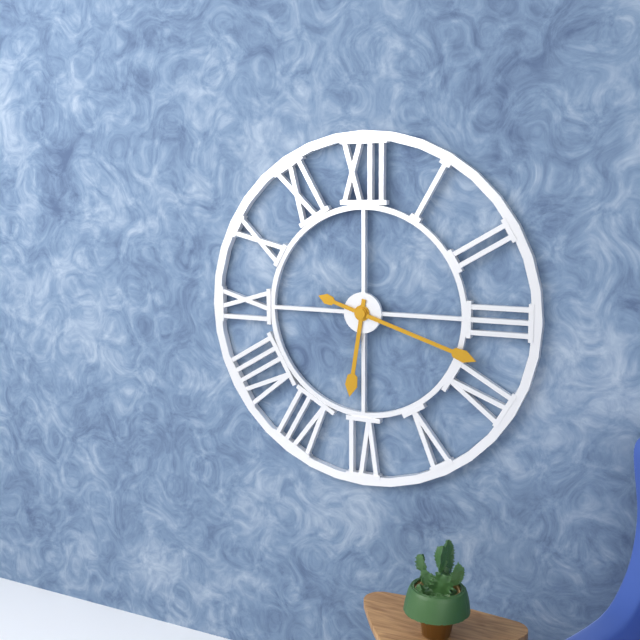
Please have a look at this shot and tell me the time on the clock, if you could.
6:18
